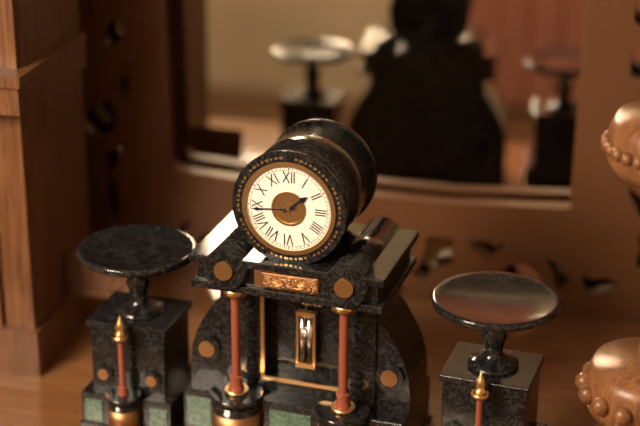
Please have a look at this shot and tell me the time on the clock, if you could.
1:44
